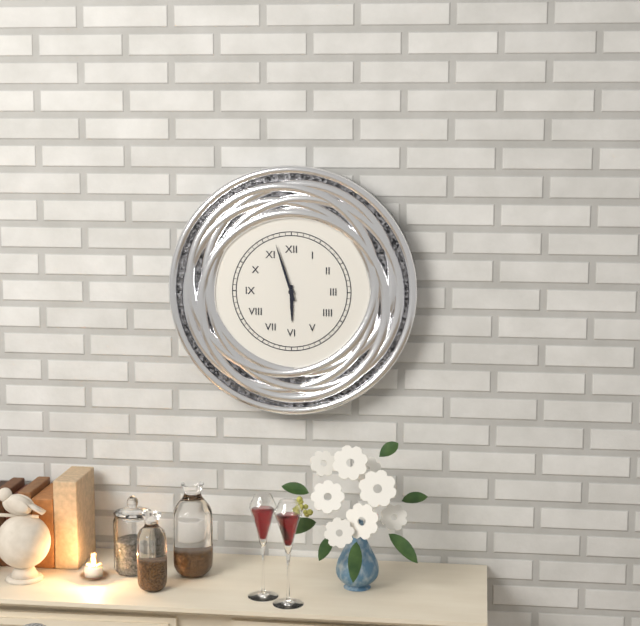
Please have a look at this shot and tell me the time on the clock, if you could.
5:57
